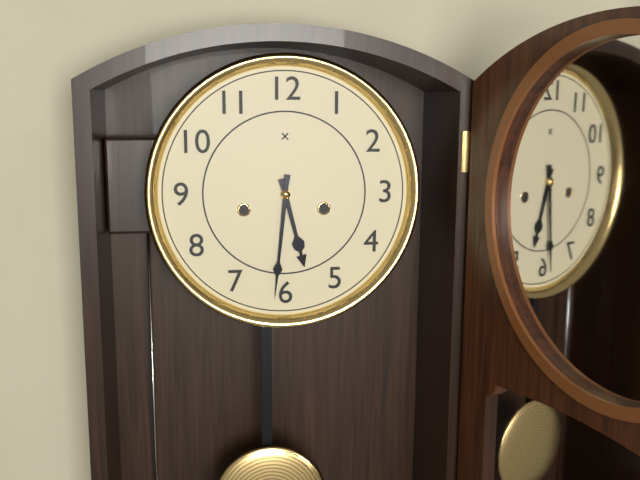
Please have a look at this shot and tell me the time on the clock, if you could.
5:31
